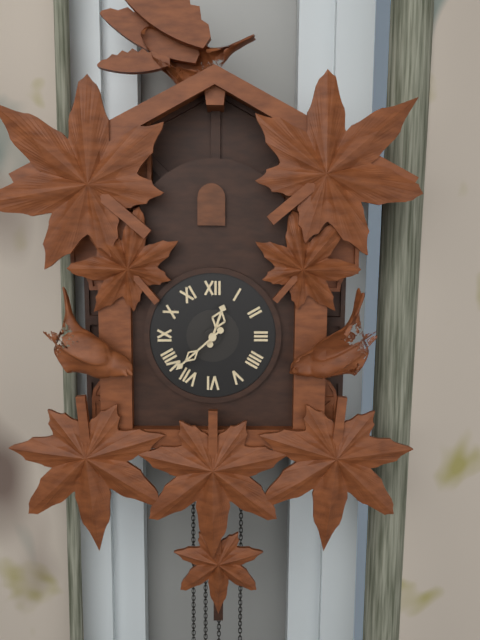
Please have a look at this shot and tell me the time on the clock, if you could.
12:38
